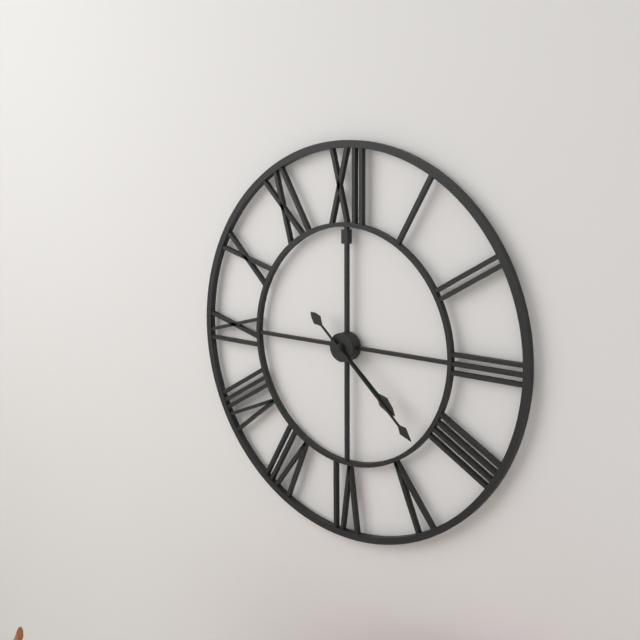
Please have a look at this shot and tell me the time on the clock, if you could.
4:22
